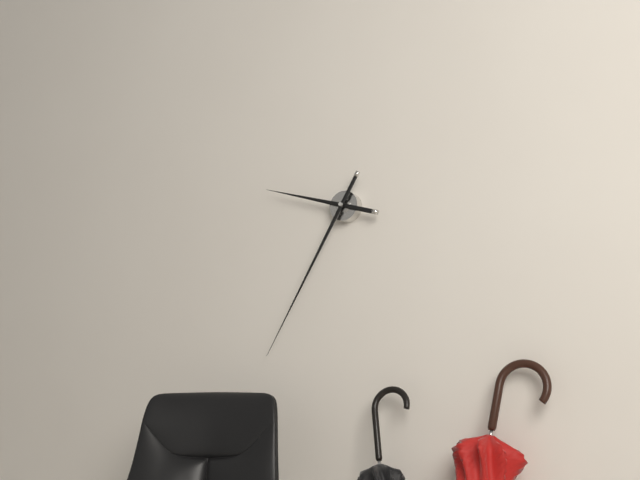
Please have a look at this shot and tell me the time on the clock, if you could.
9:35
